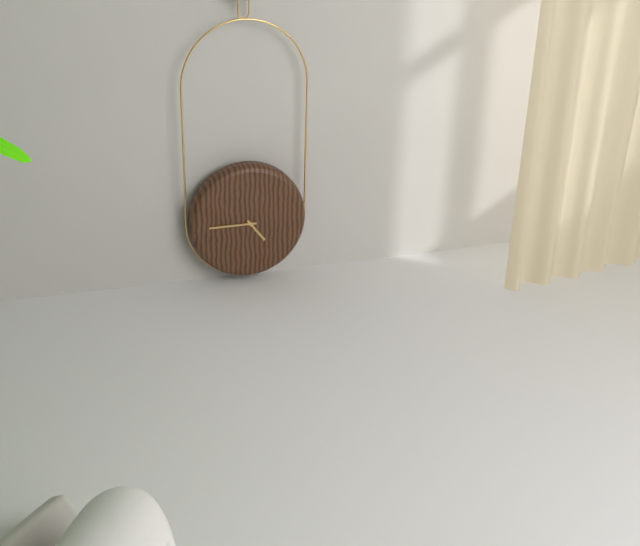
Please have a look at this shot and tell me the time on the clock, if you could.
4:45
